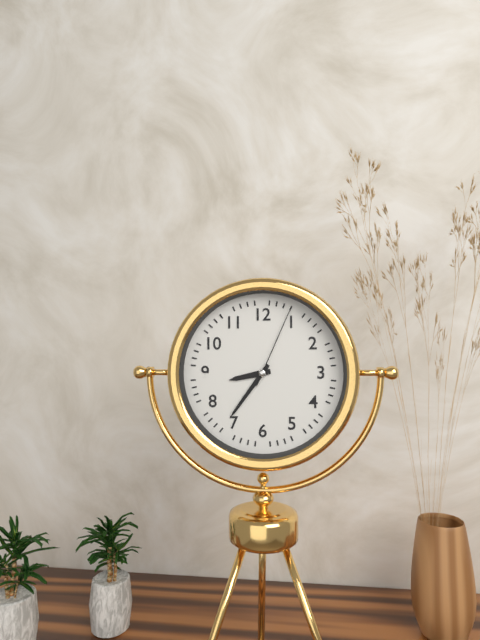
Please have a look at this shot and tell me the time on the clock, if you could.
8:36:04
